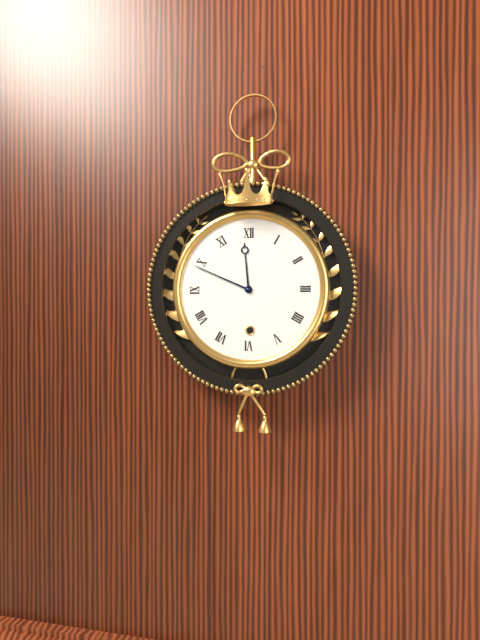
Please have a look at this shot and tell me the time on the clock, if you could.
11:49
